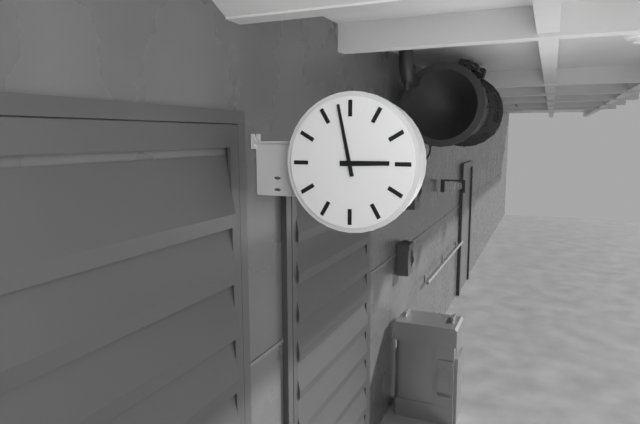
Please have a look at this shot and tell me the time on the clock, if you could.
2:58
